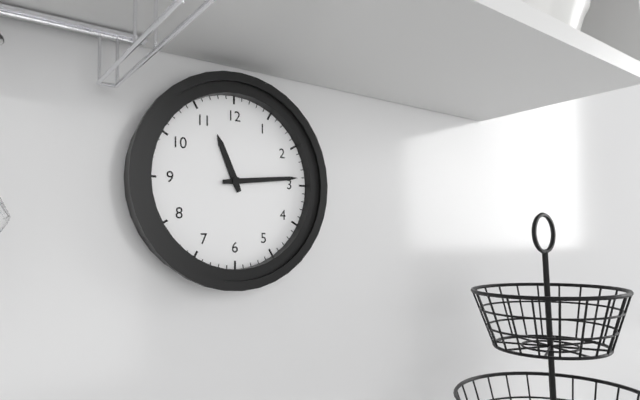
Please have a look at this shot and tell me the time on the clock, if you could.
11:14
